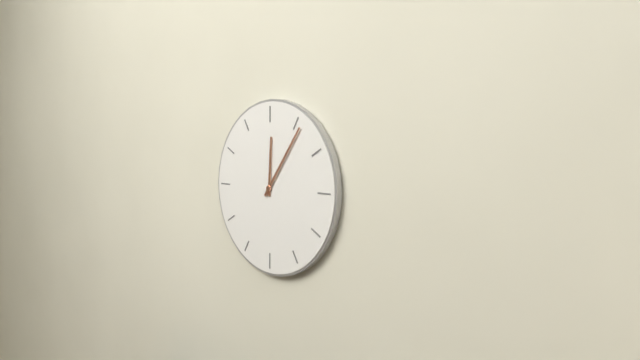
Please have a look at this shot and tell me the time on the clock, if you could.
12:06
